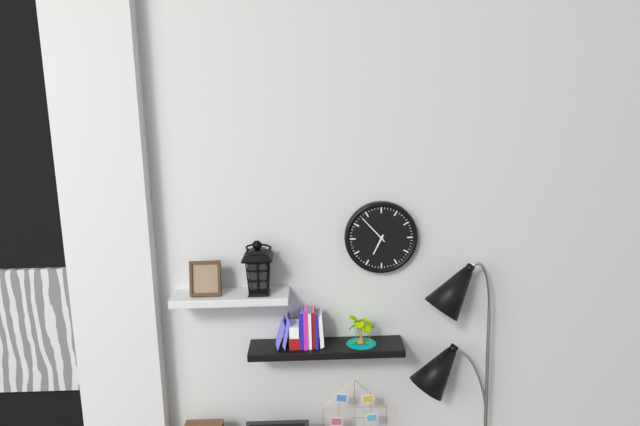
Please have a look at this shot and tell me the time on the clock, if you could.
6:53
